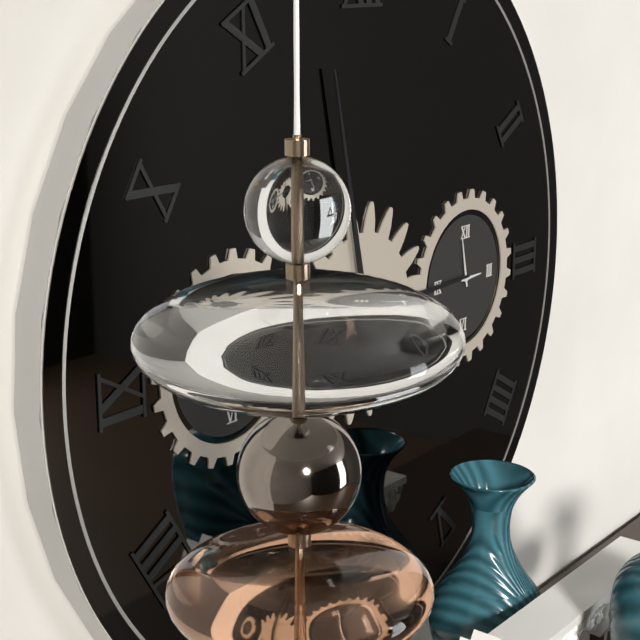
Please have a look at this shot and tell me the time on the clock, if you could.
2:58
